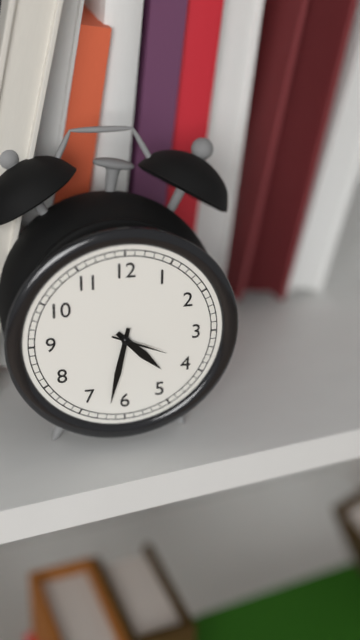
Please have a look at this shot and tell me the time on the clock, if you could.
4:32:19
